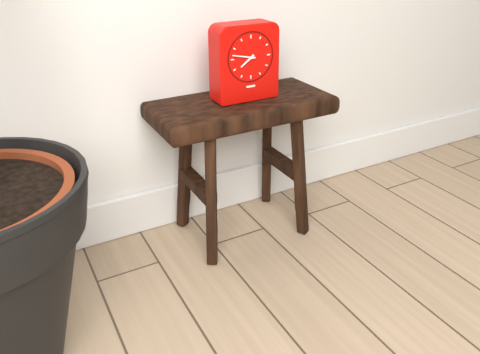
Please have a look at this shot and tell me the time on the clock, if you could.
7:47
